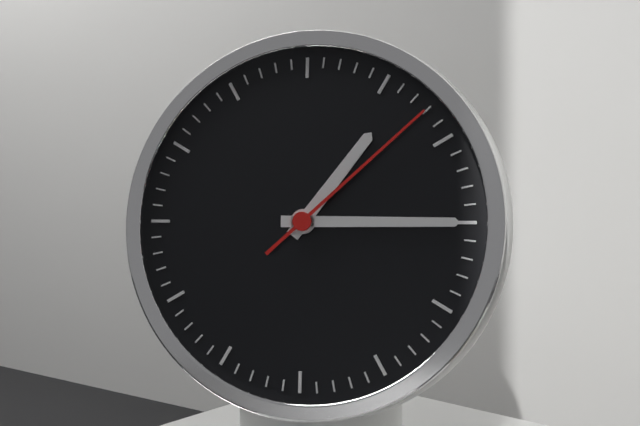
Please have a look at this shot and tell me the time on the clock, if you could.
1:15:08
